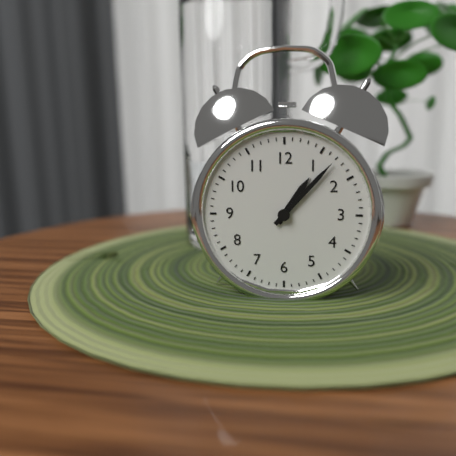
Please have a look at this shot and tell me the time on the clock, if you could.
1:07
